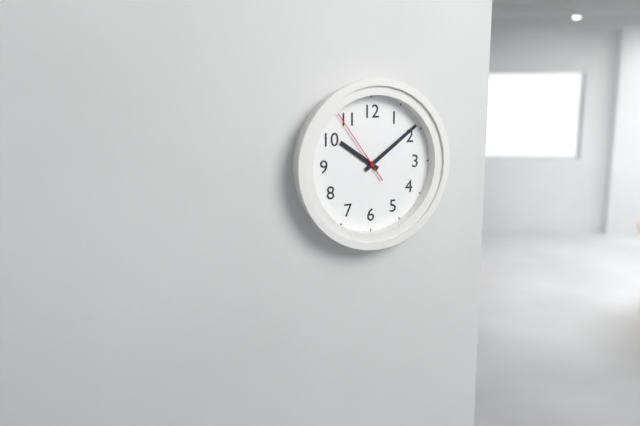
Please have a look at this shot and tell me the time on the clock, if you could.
10:09:54
